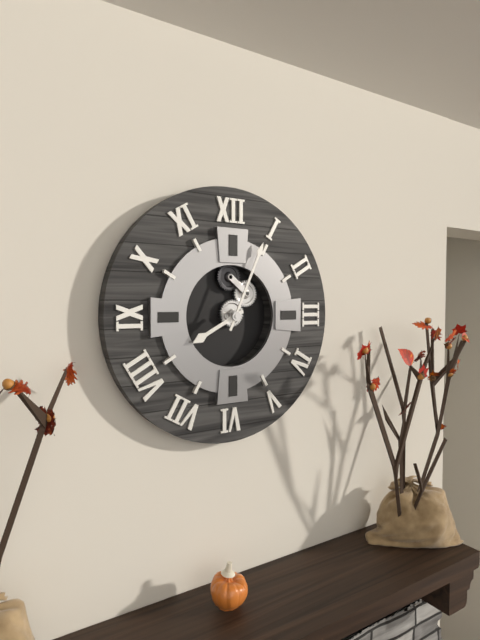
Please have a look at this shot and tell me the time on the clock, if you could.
8:04
